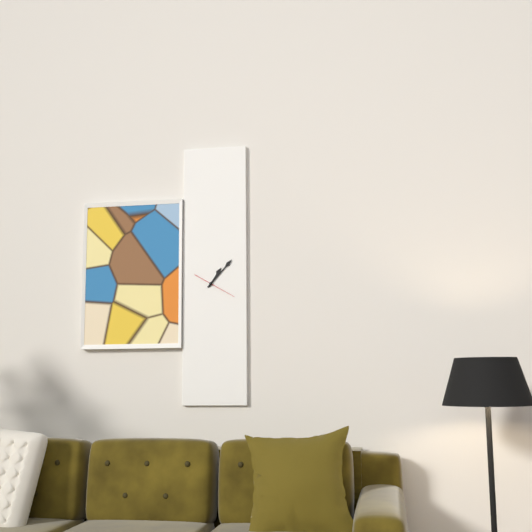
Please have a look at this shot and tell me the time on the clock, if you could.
1:07
